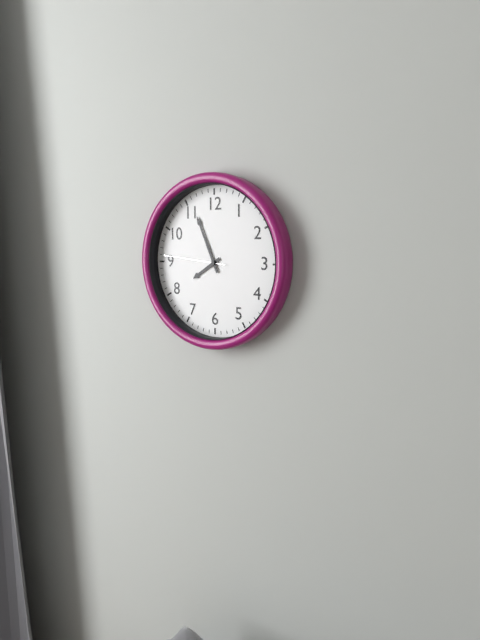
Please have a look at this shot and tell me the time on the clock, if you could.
7:56:46
